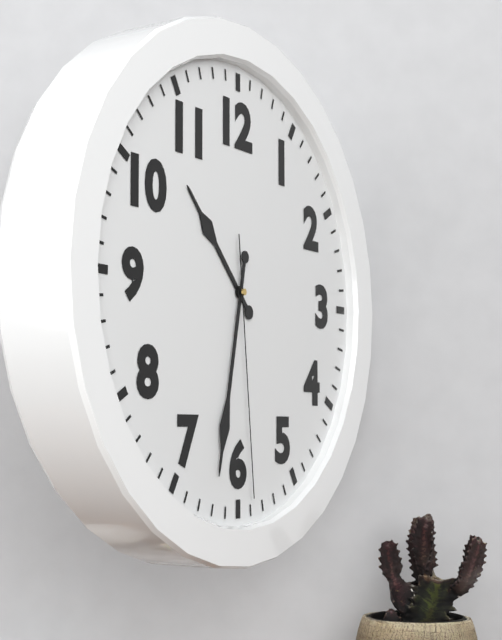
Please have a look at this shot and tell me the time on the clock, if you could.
10:32:29
